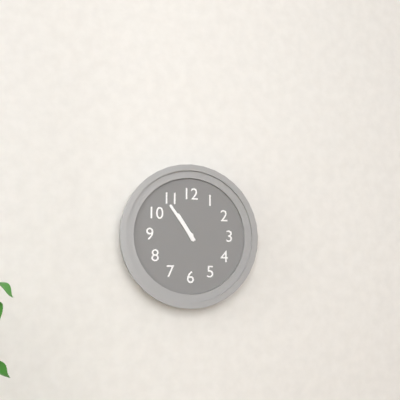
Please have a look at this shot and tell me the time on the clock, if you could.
10:54
